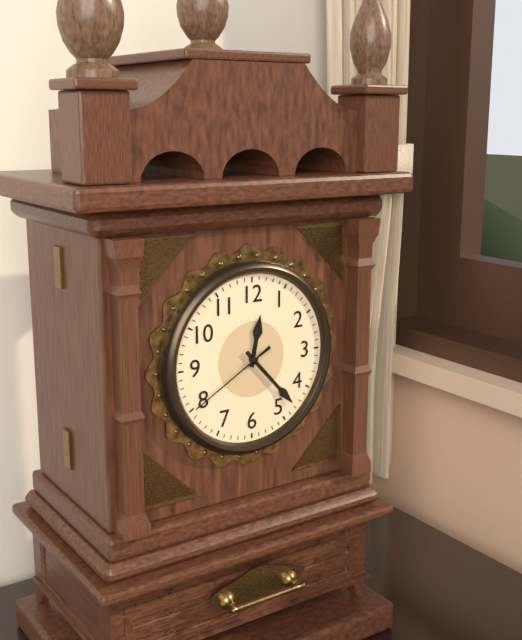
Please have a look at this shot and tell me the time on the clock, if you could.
12:23:40
